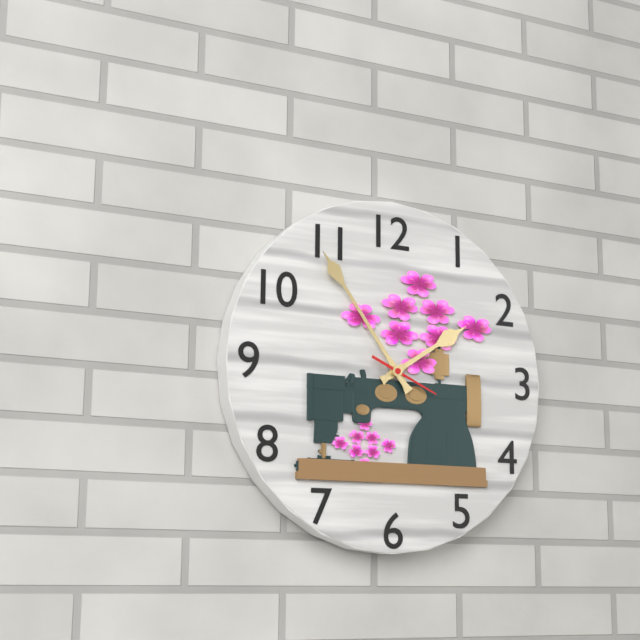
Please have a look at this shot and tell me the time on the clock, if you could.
1:54:19
